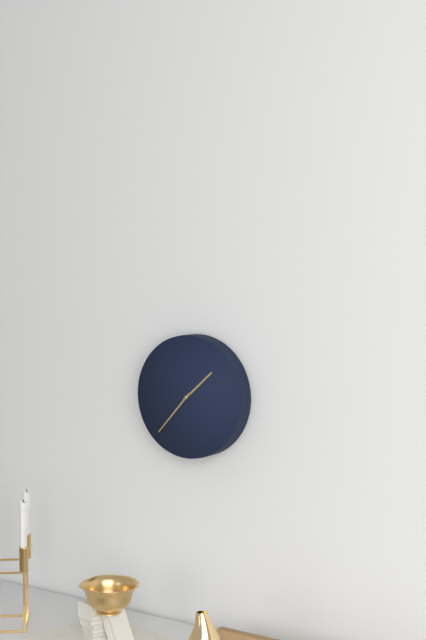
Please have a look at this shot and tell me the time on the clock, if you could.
1:37
